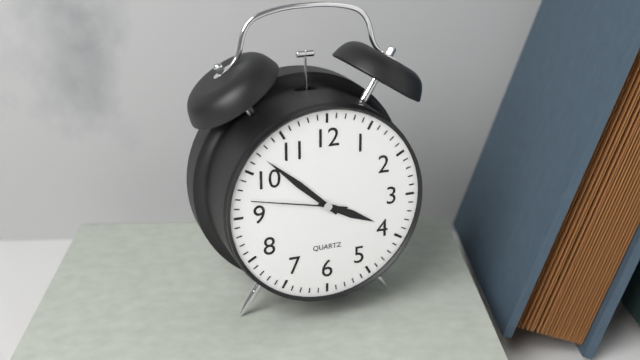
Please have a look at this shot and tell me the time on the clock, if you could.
3:52:47
